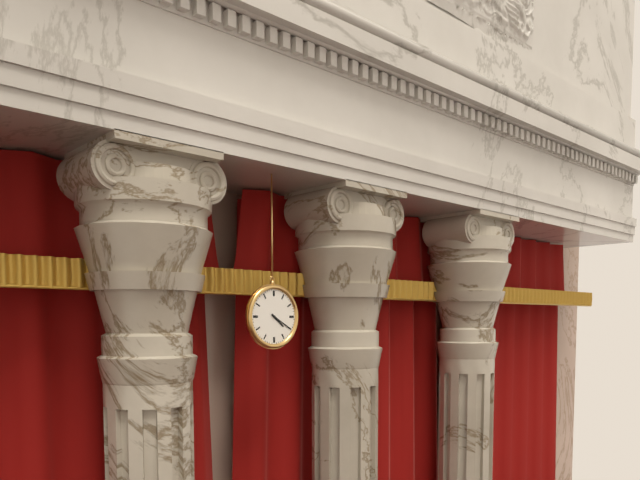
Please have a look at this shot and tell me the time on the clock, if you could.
4:20
